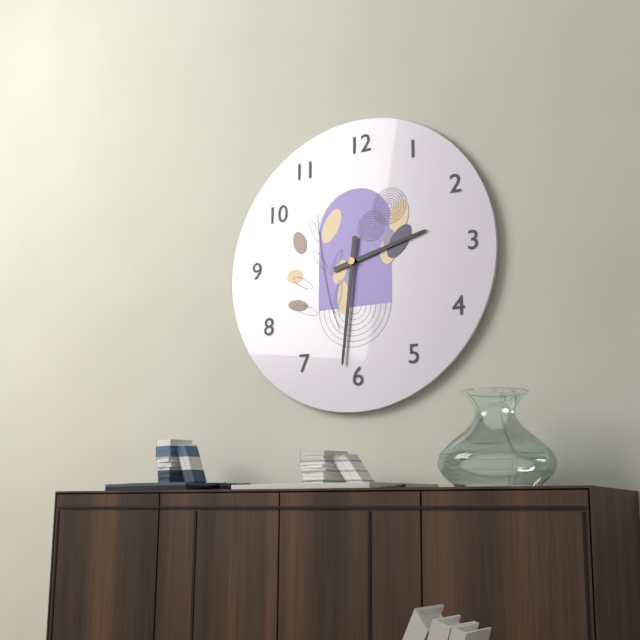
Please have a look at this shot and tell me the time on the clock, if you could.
2:31
